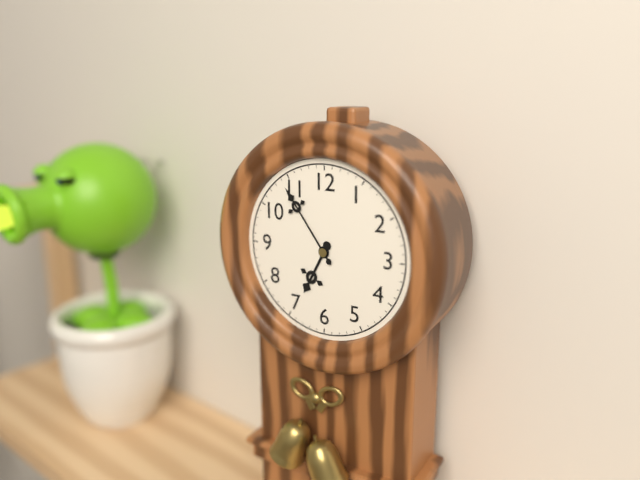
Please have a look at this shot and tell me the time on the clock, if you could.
6:54
